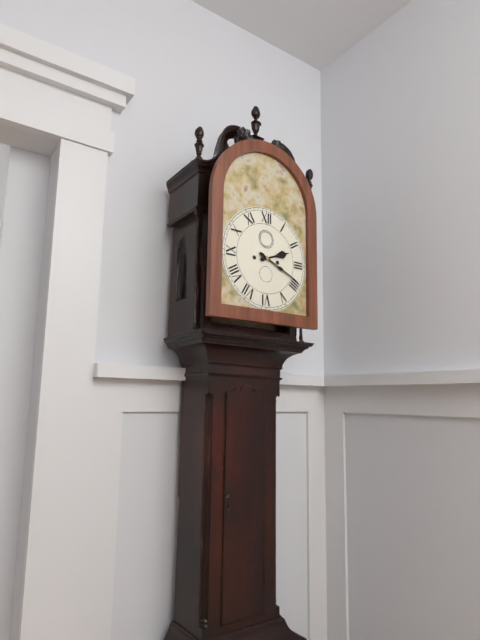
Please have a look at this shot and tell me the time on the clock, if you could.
2:19
